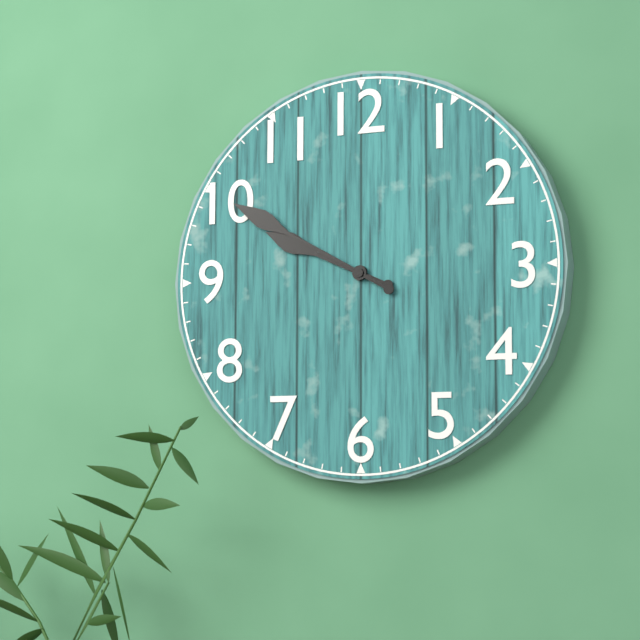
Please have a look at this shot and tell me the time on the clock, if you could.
9:50
